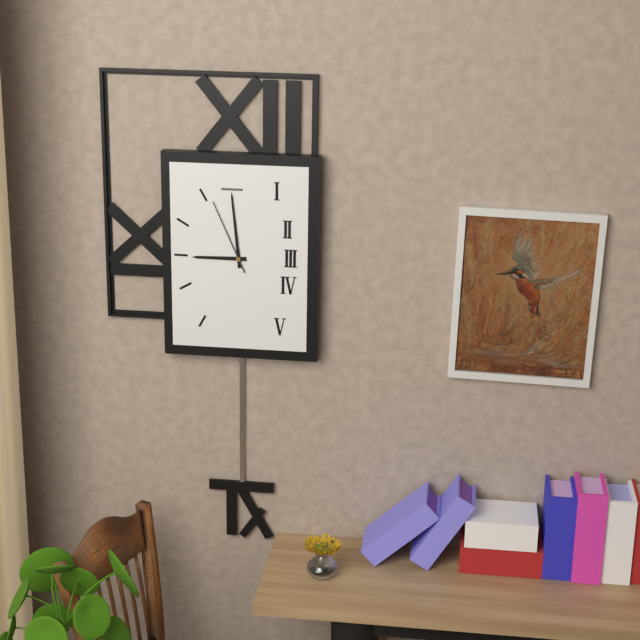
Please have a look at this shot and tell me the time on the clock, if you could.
8:59:56
